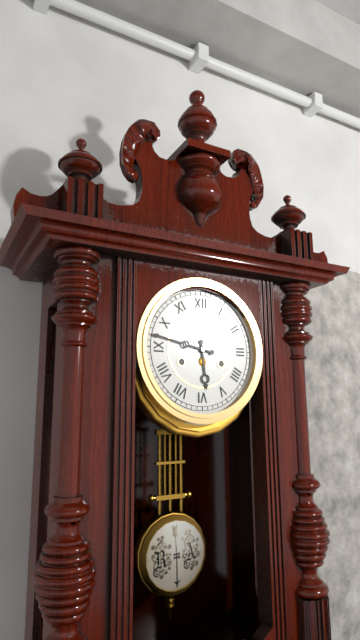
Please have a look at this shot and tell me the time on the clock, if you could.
5:47
